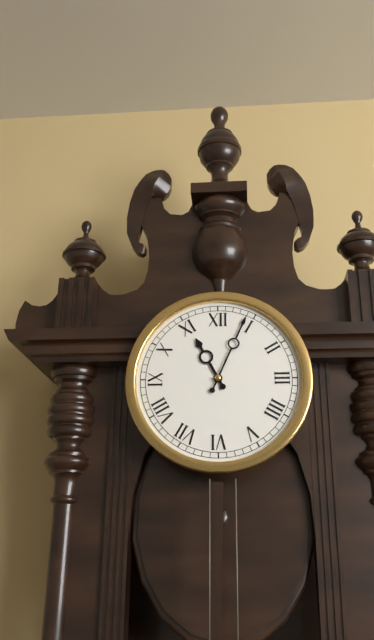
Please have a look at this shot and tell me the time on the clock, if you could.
11:04
